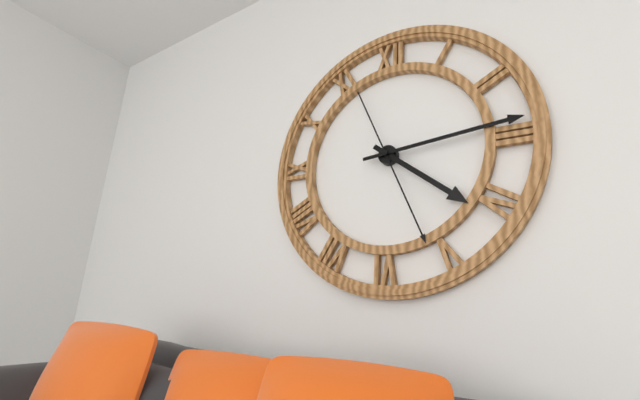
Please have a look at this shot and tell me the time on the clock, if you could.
4:14:26
